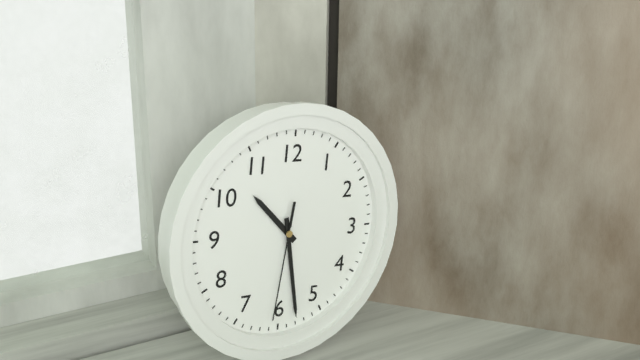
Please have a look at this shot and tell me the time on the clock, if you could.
10:28:31
